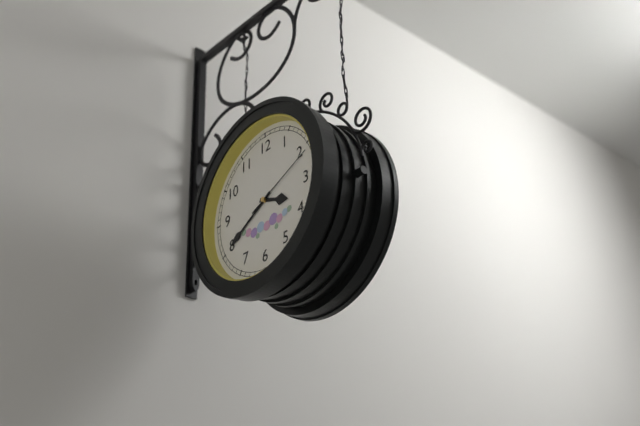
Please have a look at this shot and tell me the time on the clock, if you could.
3:40:11
